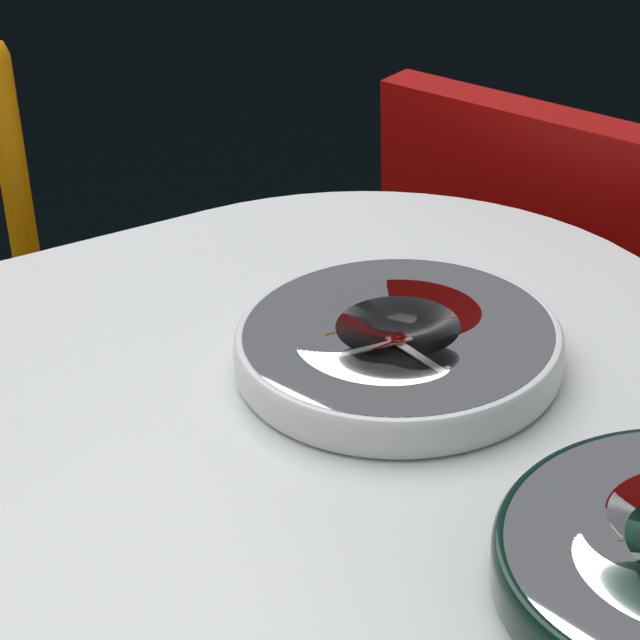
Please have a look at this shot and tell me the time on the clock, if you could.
5:46:14
